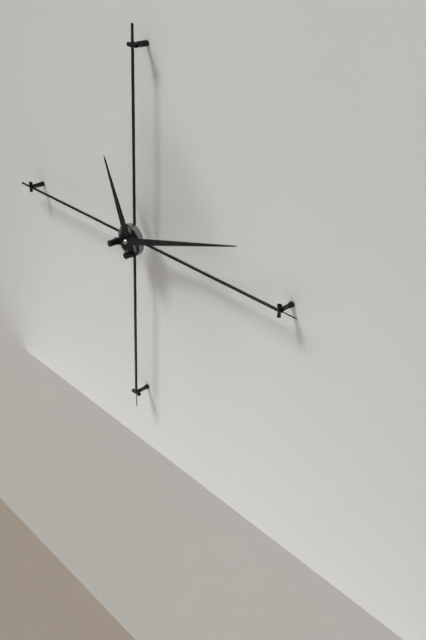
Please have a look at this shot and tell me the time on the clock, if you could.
11:12
